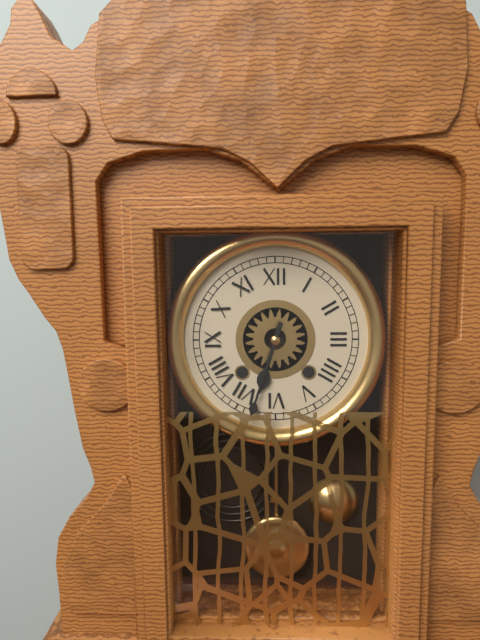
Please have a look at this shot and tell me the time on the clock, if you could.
6:33
